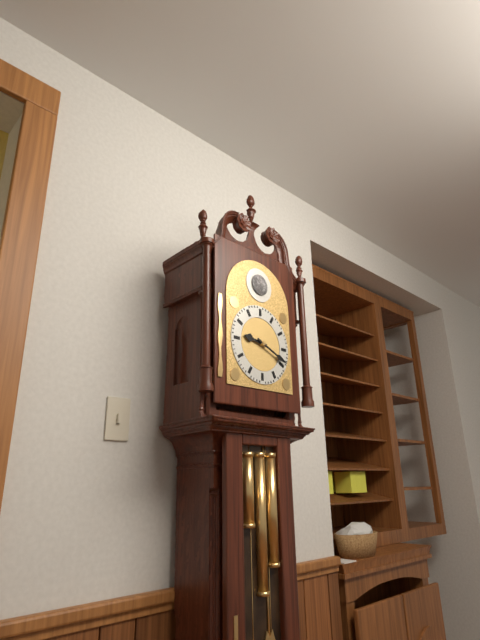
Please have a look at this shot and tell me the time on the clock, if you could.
9:19
